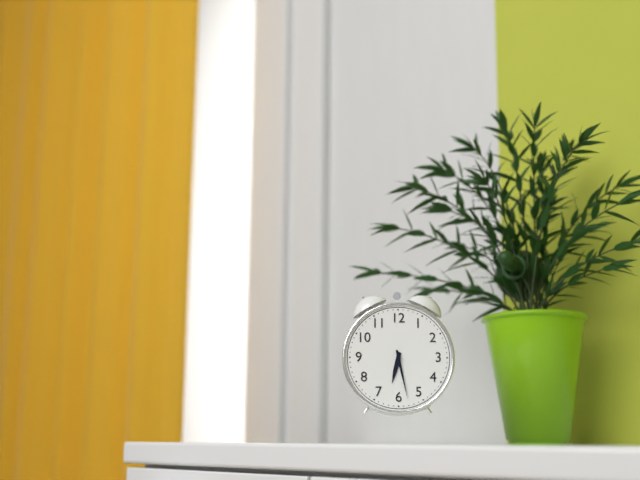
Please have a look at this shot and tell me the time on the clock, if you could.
6:28
